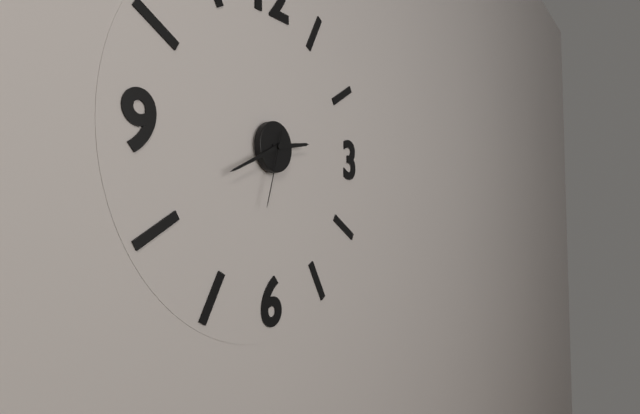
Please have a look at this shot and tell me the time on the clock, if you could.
2:41:33
